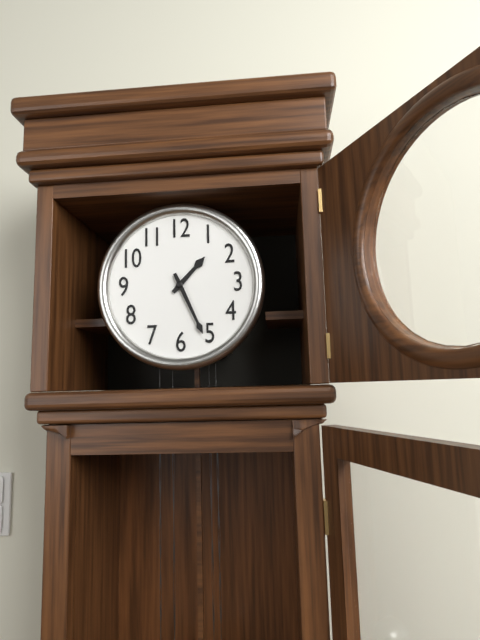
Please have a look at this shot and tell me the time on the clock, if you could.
1:26
